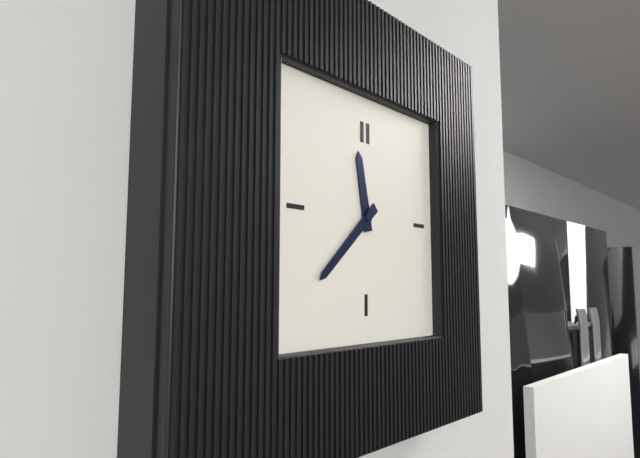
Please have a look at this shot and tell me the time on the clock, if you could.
11:38
